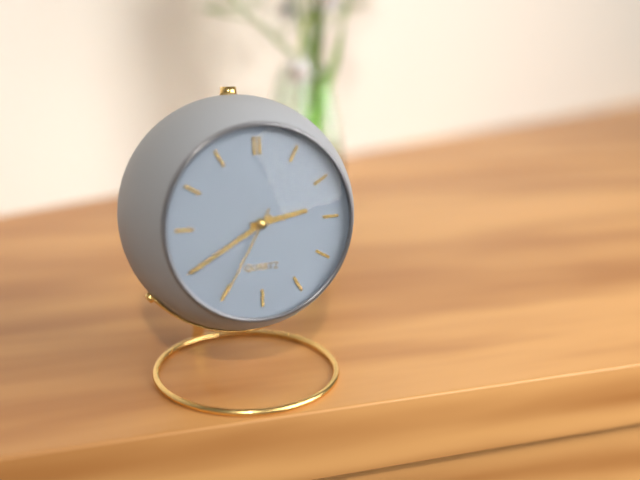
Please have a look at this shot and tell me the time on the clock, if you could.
2:40:35
